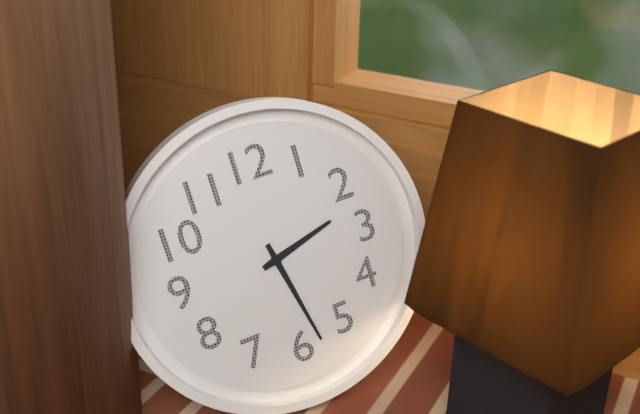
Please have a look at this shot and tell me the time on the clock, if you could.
2:28
